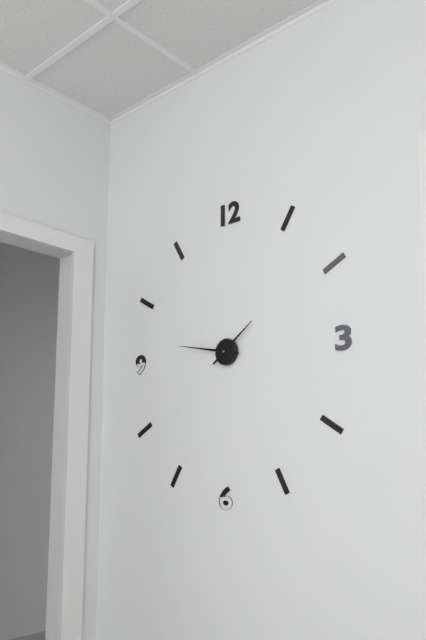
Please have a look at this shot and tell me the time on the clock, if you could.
1:47
